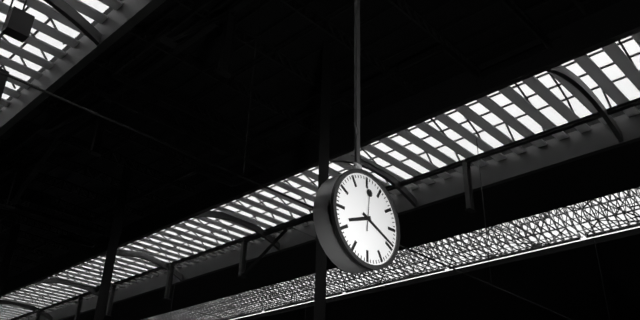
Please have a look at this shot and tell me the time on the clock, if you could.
8:19
